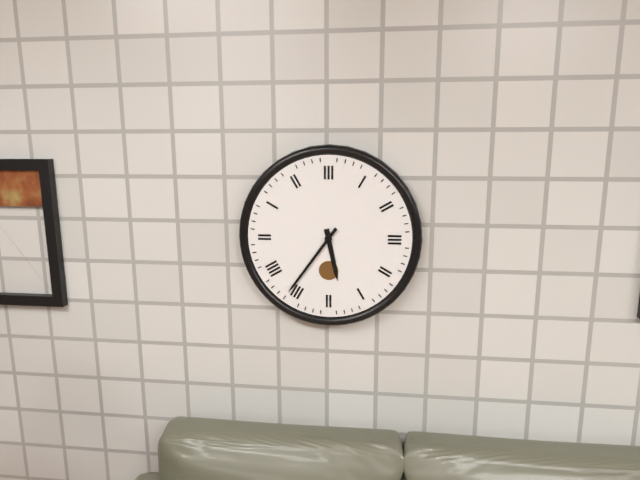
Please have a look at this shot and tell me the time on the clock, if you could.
5:36
